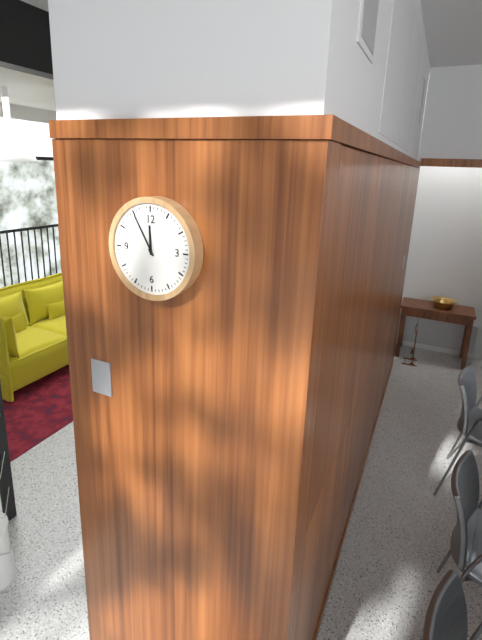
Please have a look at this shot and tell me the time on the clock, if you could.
11:55
